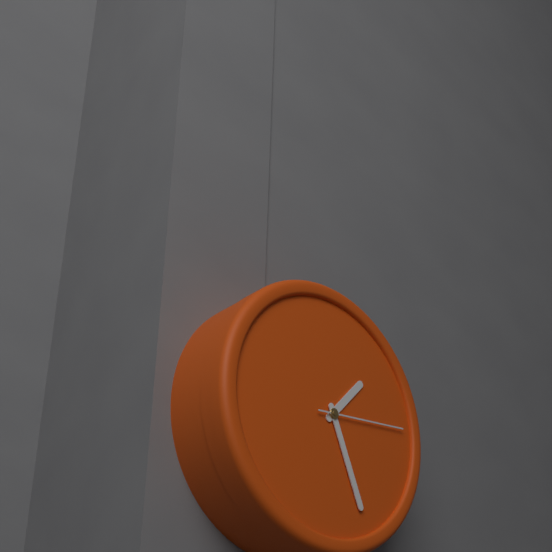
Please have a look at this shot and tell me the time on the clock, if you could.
1:26:14
